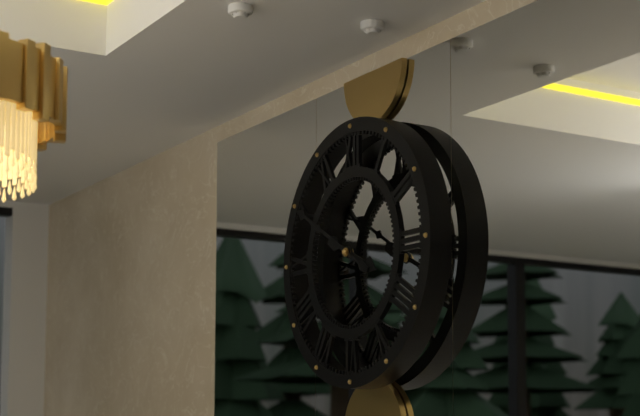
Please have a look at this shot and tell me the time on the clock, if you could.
3:50
